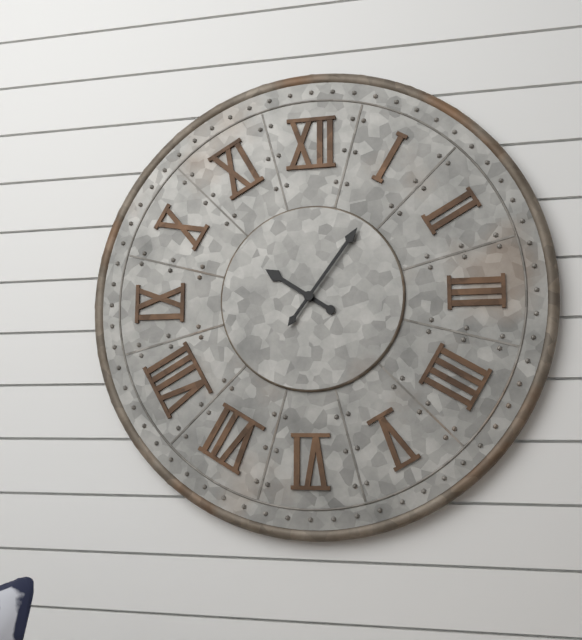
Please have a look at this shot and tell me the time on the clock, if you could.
10:06
